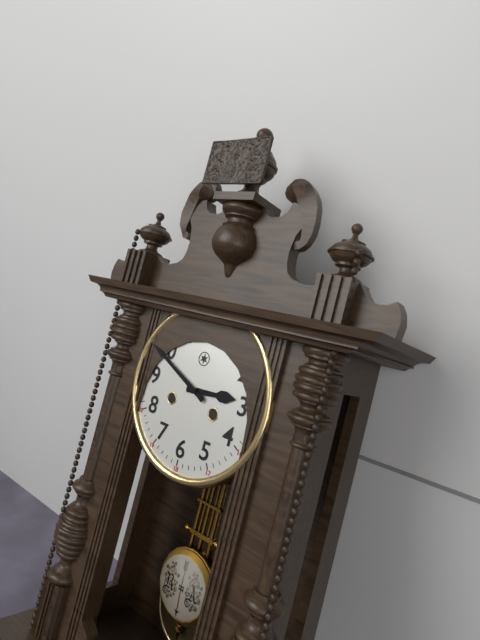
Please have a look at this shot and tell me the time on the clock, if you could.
2:49
